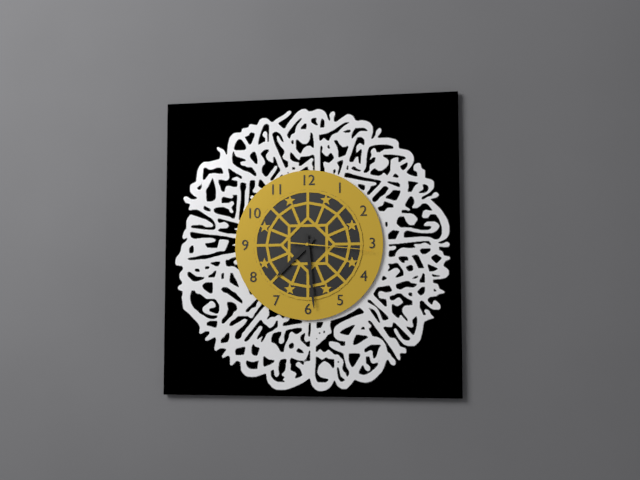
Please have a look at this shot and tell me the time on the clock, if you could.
7:29:16
